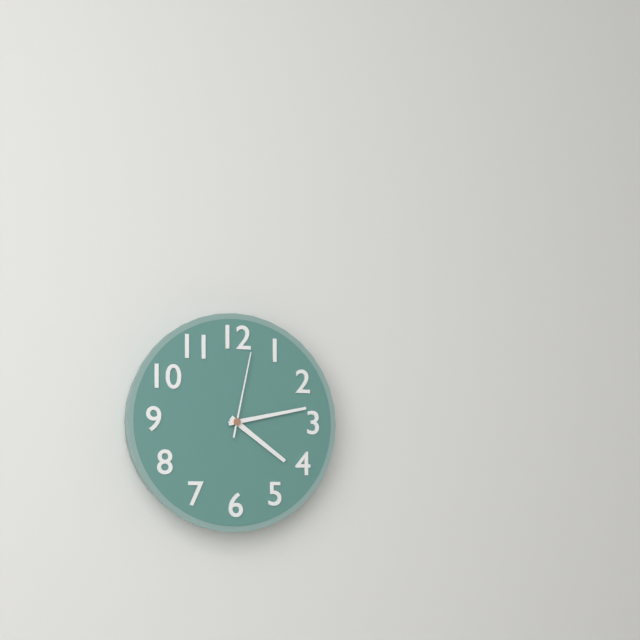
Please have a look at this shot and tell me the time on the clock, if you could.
4:13:02
